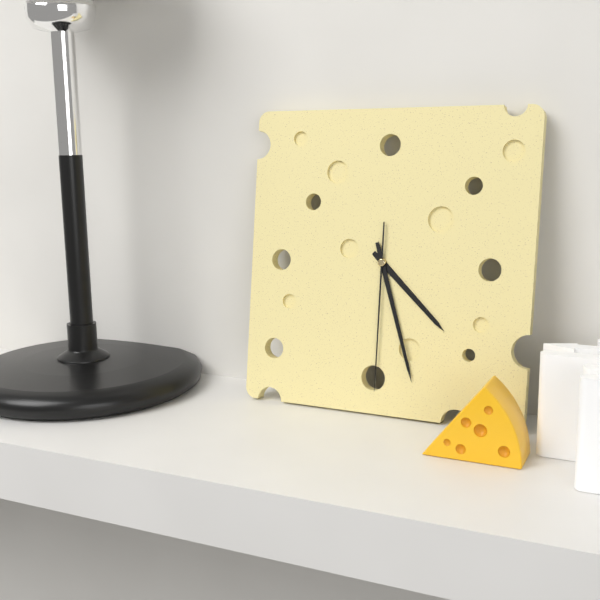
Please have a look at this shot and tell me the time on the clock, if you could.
4:27:30
